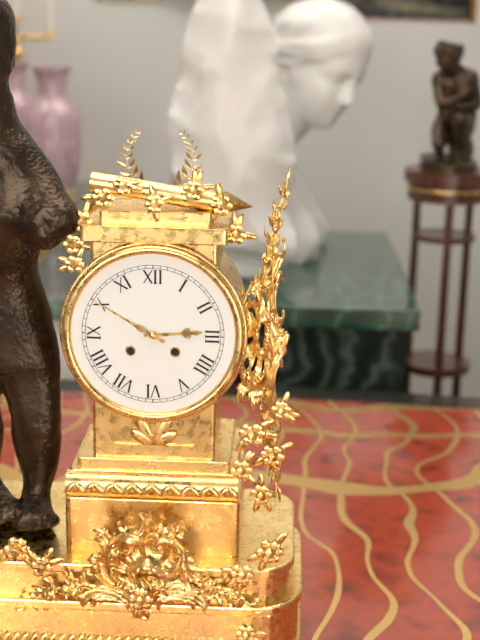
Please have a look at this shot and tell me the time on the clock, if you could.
2:50
